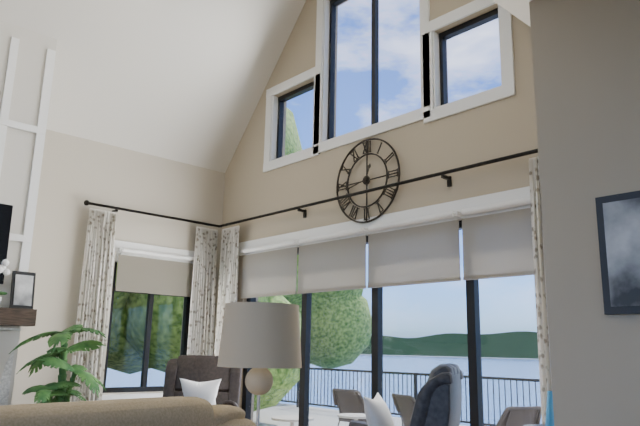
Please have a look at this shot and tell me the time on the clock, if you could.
12:43
